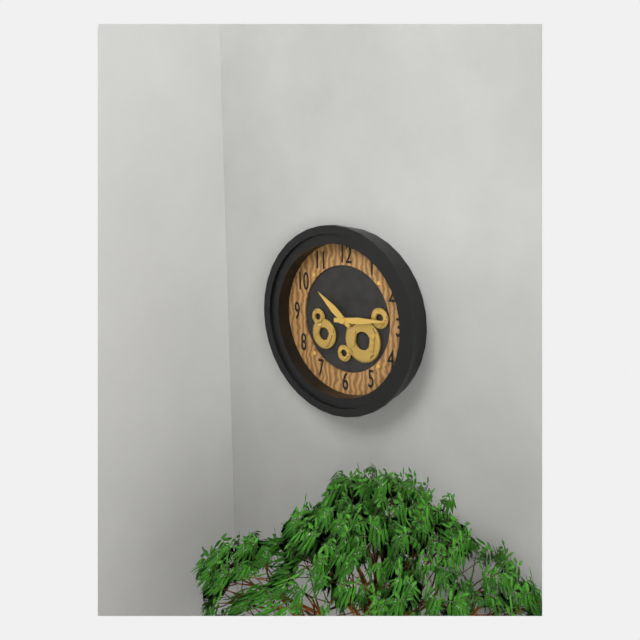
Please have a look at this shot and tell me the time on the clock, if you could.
10:14
